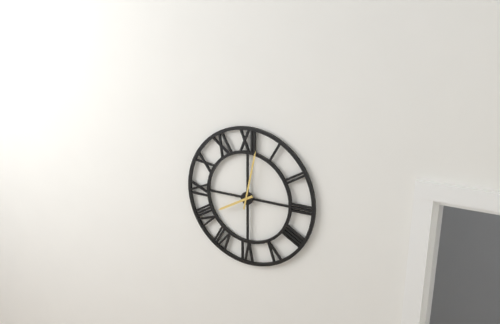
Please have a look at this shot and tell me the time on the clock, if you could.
8:02
